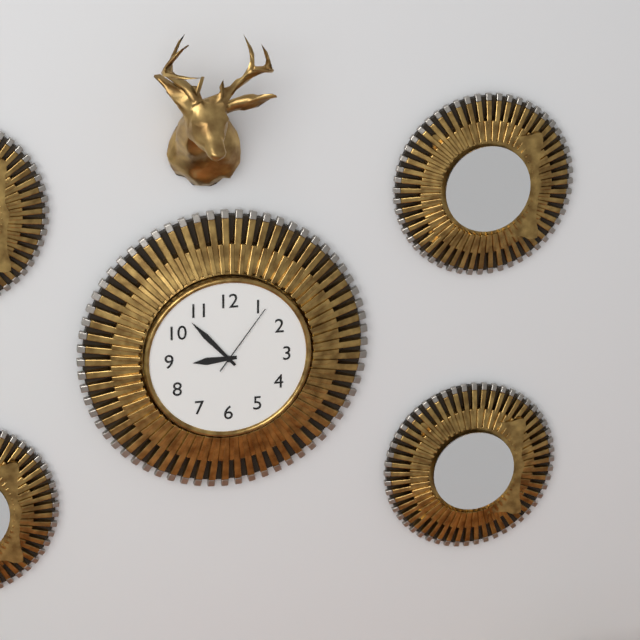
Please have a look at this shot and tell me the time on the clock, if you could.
8:53:06
